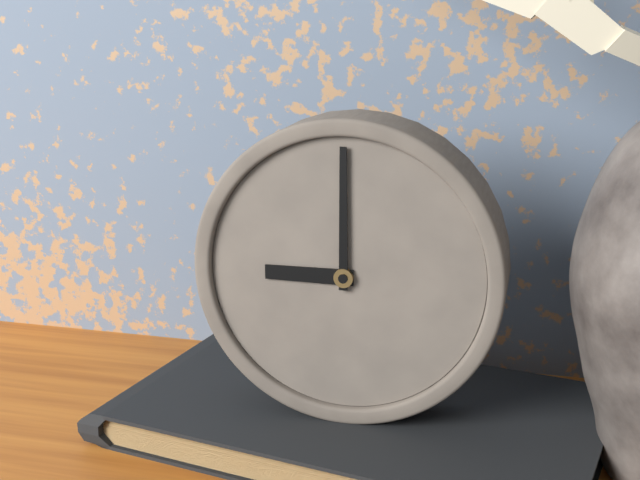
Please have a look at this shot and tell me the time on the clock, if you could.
9:00
